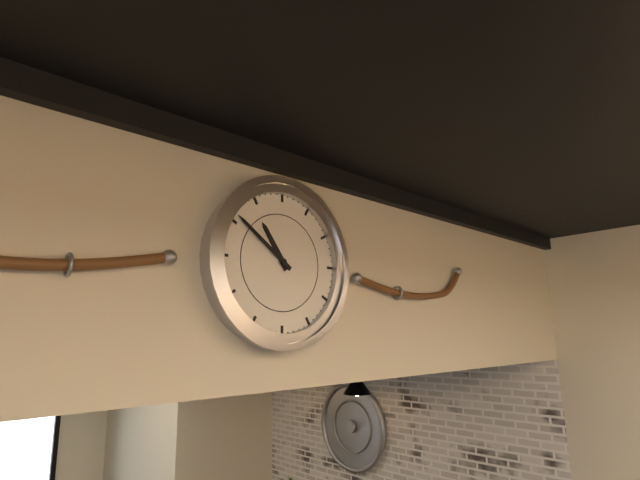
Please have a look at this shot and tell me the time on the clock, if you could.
10:51
